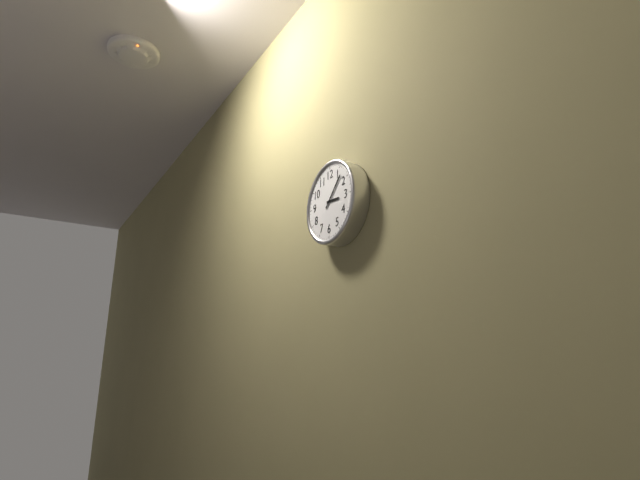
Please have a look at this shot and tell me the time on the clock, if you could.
3:07
